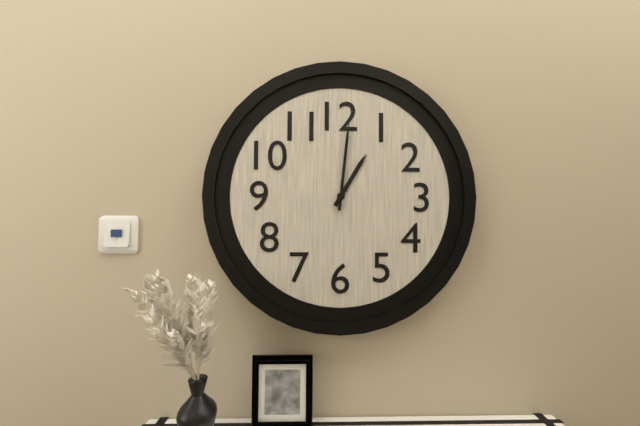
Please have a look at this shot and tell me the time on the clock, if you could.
1:01
